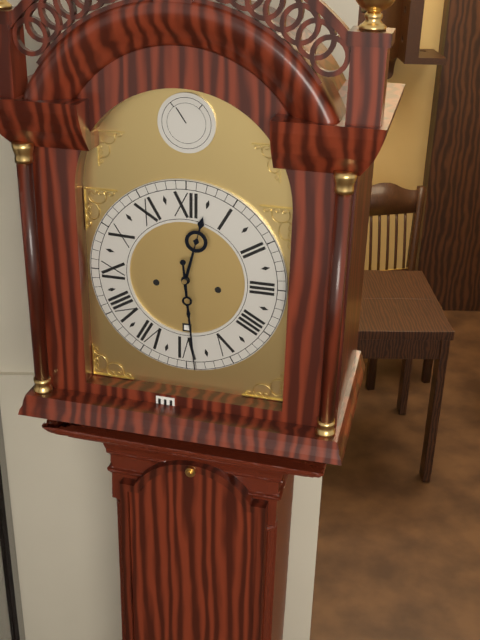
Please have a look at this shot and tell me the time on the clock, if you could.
12:29
